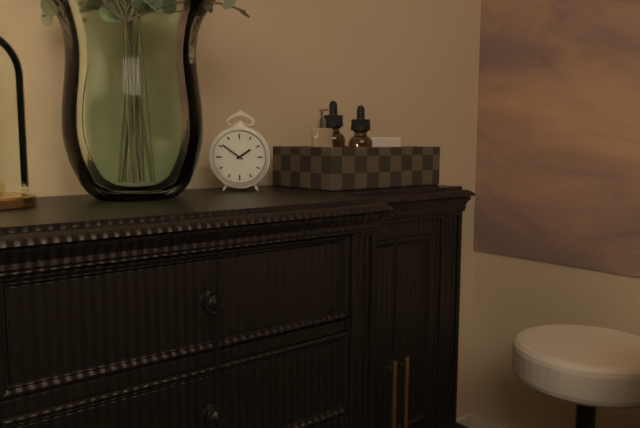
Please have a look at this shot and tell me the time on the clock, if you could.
1:51
